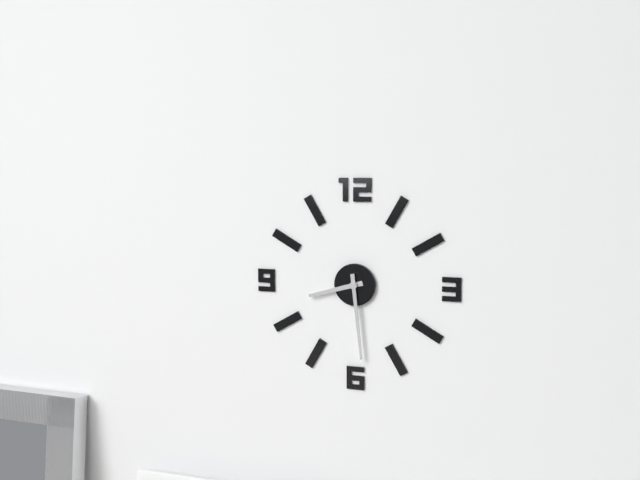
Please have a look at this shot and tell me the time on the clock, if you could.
8:29
